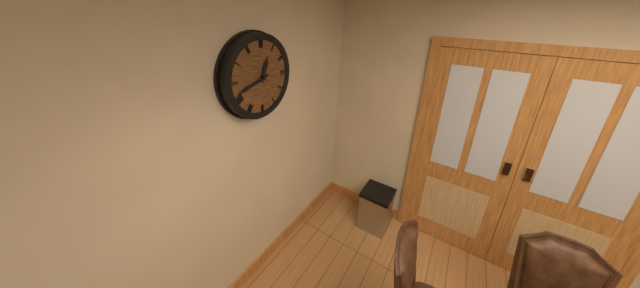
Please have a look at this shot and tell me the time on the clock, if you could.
12:42
